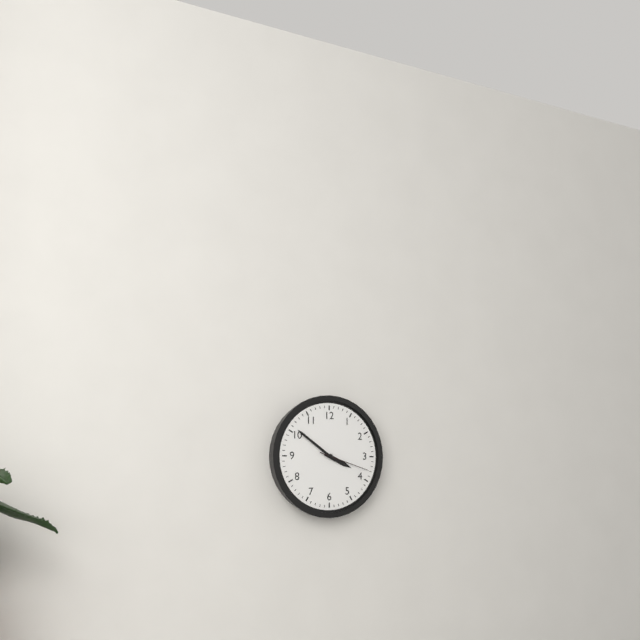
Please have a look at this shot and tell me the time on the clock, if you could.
3:51:18
